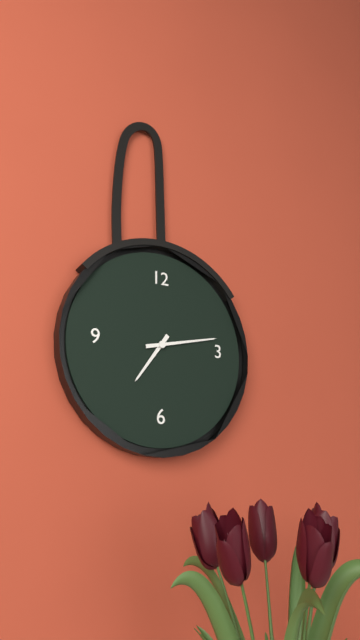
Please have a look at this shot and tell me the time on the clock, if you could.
7:13
